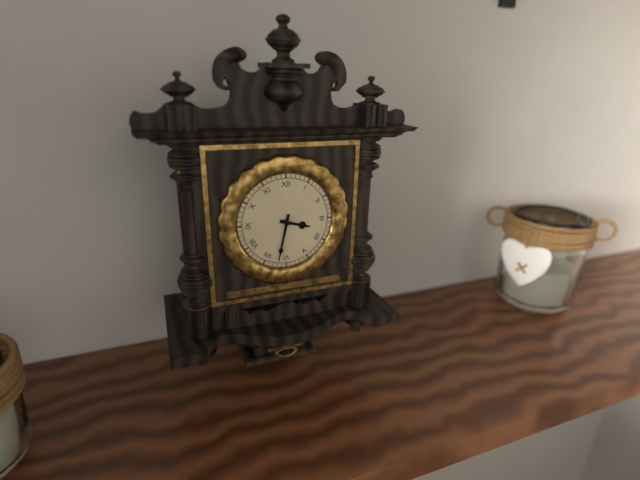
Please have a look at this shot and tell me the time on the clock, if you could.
3:32
